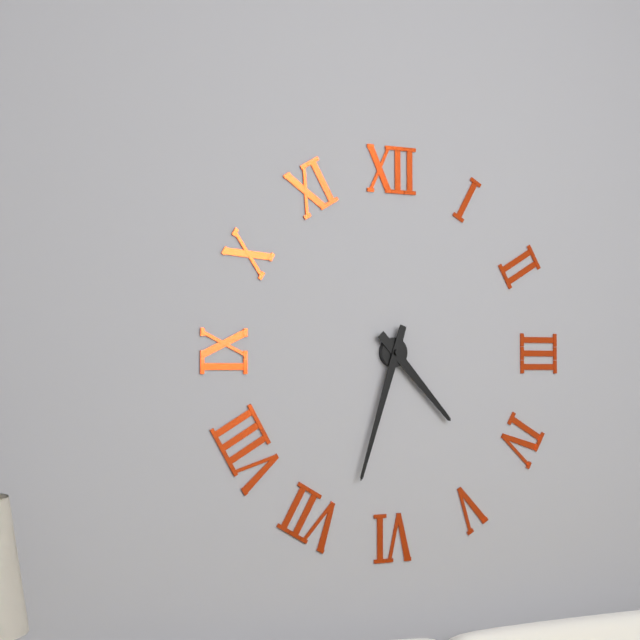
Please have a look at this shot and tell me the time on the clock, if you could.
4:33
